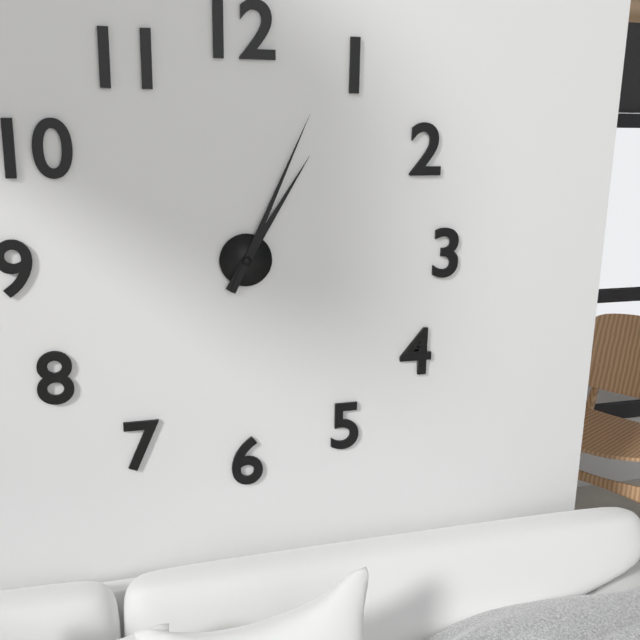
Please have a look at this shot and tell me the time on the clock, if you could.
1:04
